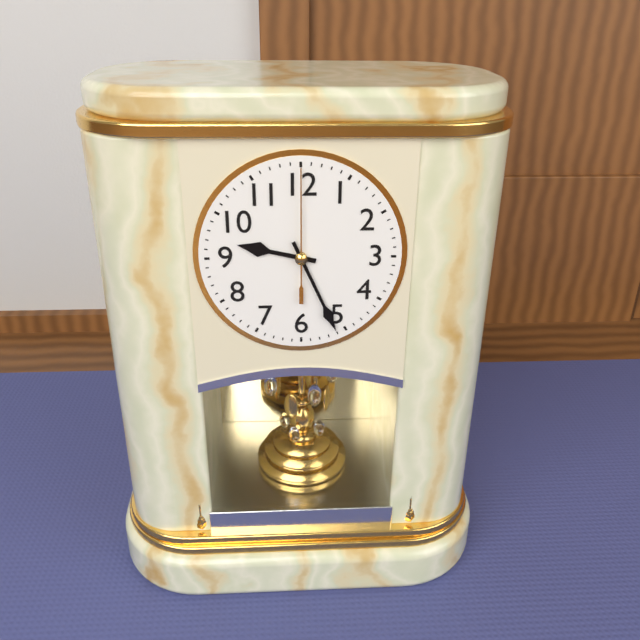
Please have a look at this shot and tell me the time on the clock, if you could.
9:26:00
